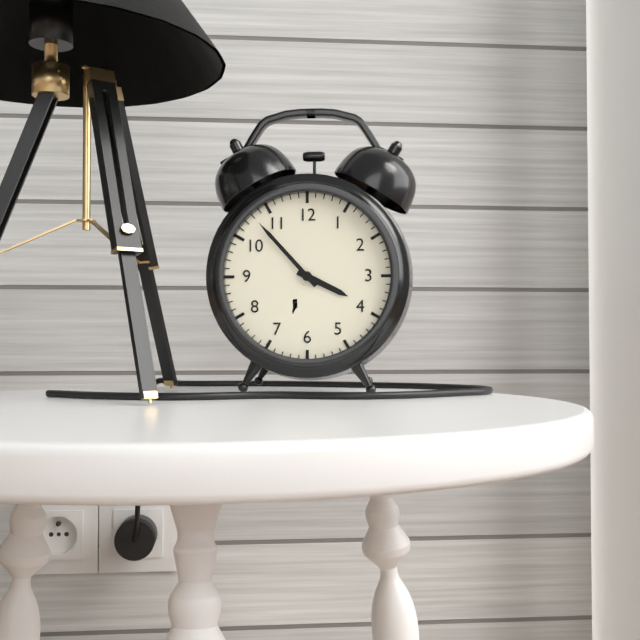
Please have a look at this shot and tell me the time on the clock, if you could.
3:53
